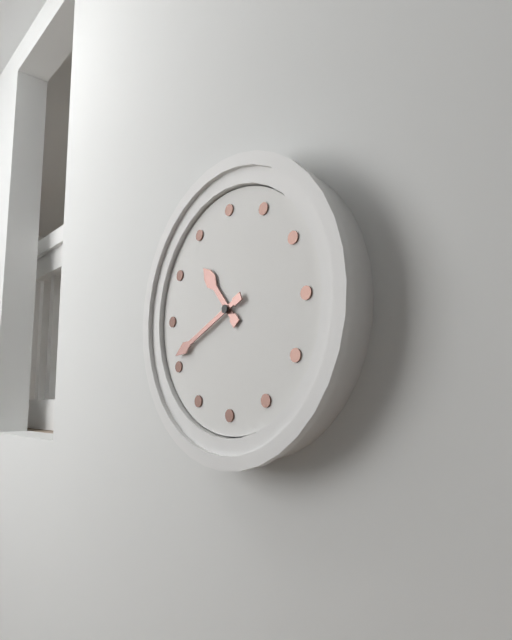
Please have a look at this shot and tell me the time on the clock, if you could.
10:41
